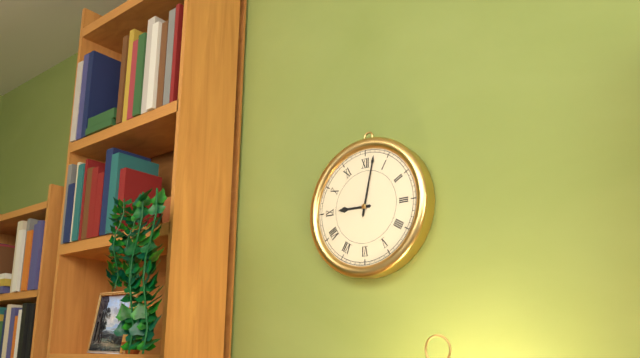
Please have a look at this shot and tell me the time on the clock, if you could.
9:02
